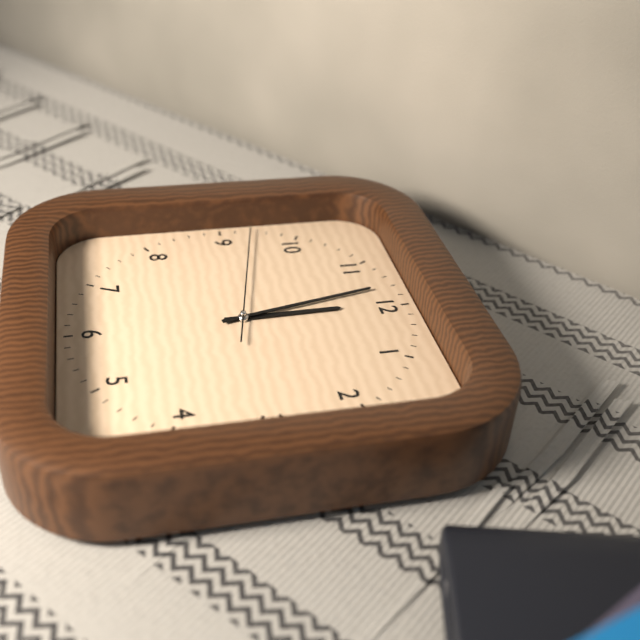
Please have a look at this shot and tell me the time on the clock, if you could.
11:58:47
